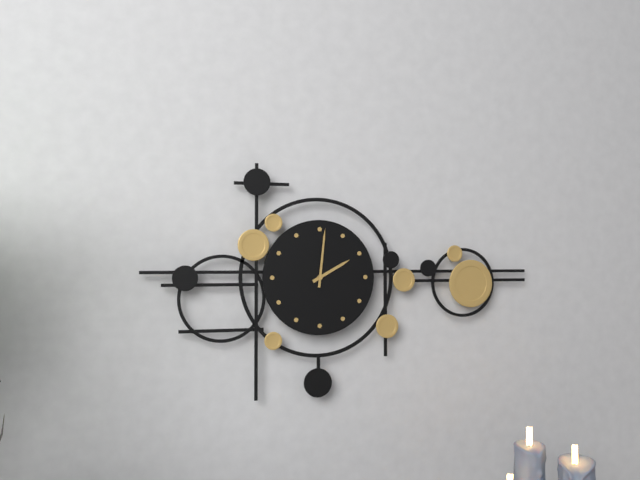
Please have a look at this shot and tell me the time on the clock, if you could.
2:01
